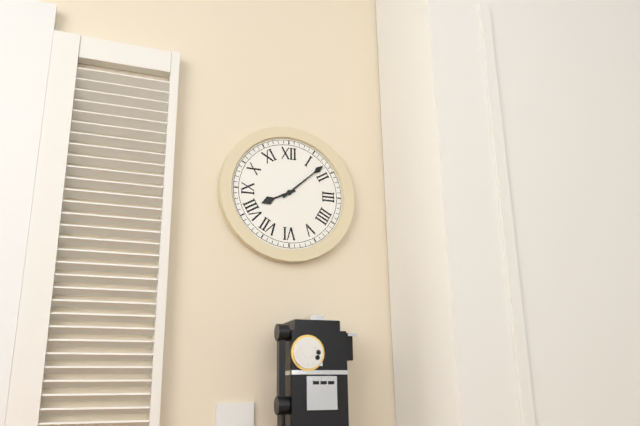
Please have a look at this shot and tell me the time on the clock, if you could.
8:08
